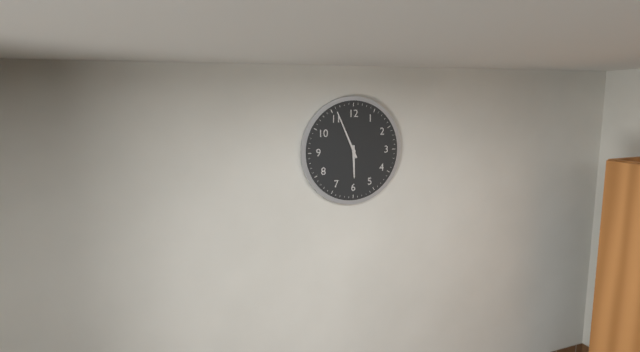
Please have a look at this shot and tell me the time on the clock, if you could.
5:56
